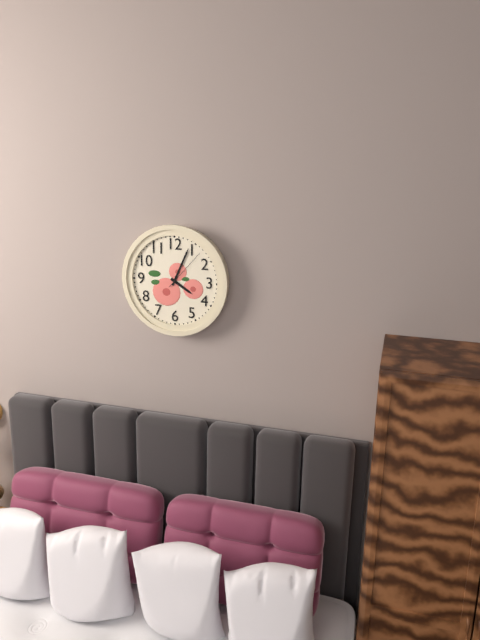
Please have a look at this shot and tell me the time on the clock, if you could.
4:04
